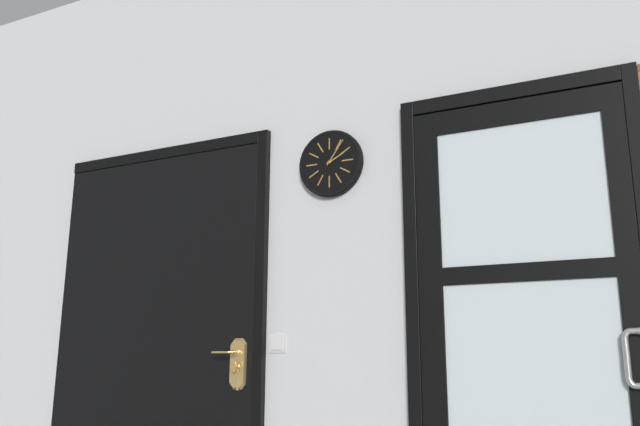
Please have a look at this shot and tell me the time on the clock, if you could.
2:06
